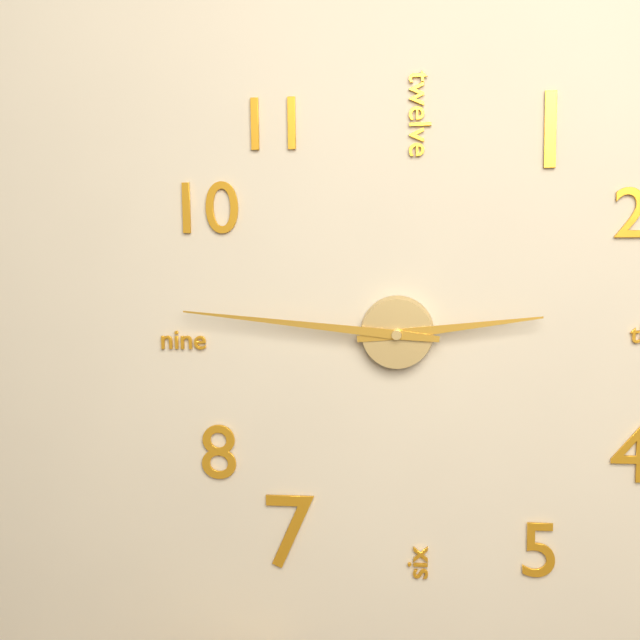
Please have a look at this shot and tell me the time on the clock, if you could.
2:46
